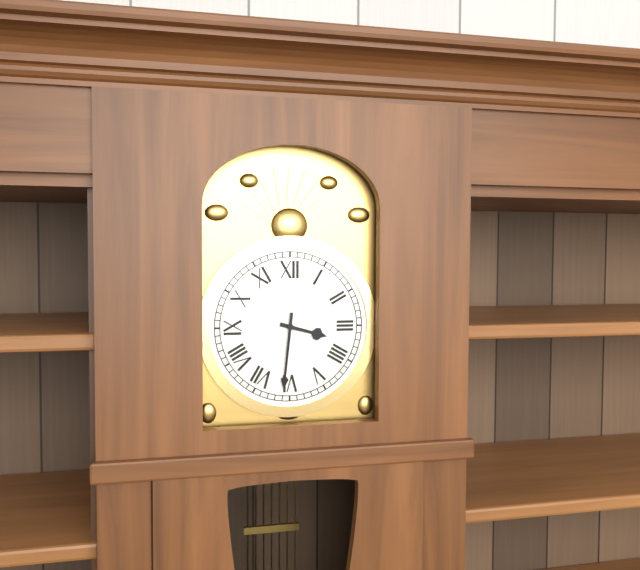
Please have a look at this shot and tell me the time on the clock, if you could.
3:31
